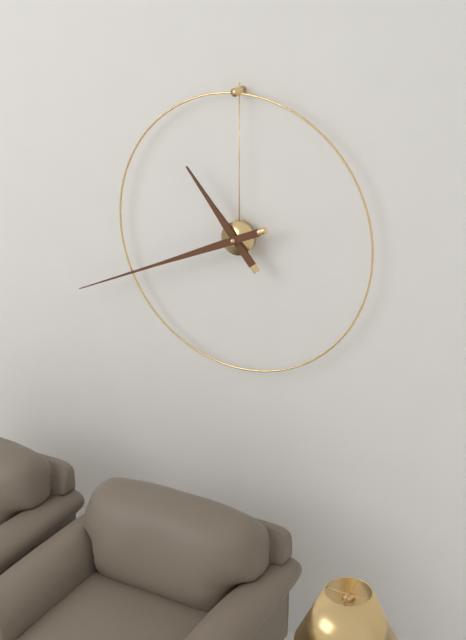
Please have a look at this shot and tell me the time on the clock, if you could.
10:41
